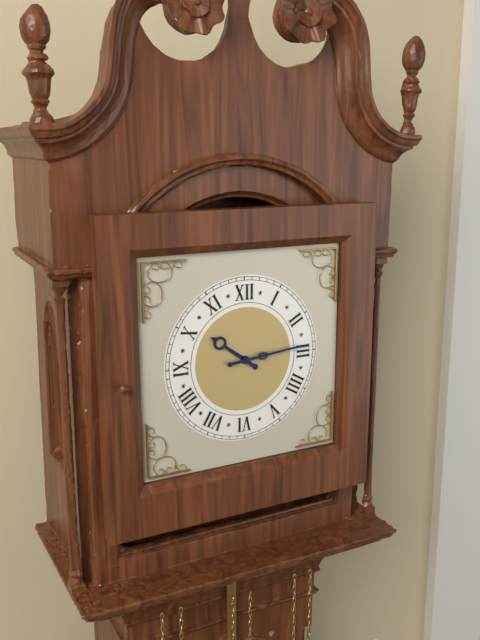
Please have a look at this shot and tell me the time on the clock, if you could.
10:14
